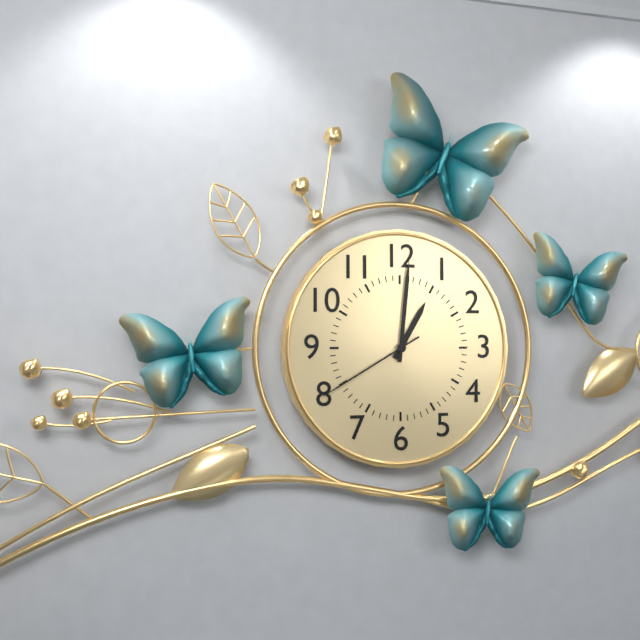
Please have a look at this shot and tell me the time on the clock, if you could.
1:01:40
